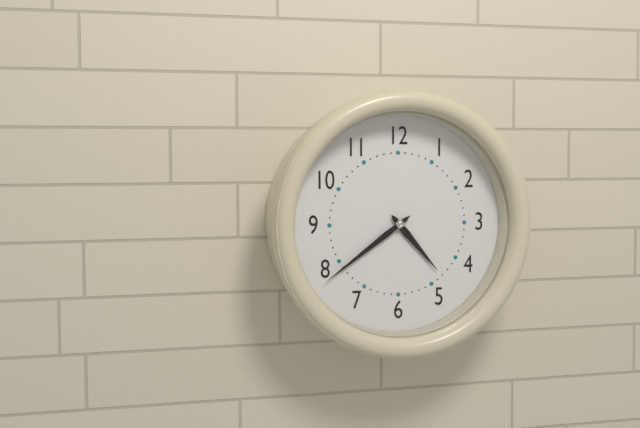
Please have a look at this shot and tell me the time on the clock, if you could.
4:39
